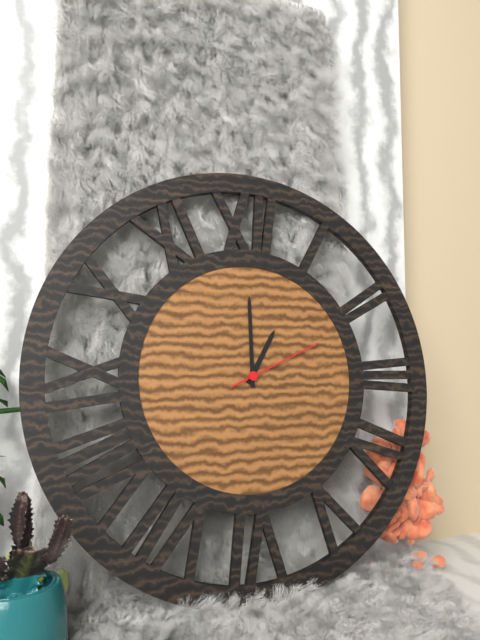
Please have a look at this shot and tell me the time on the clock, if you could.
1:00:11
